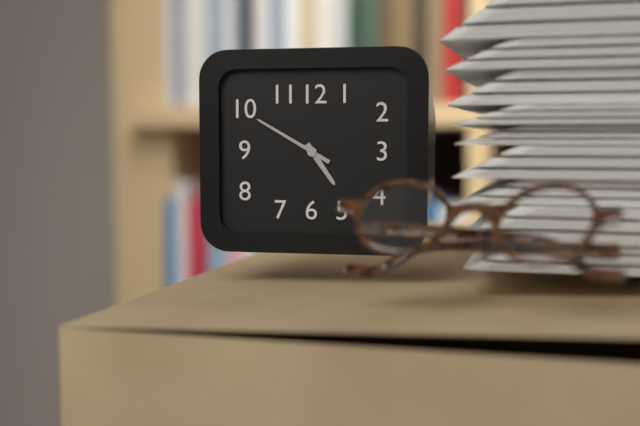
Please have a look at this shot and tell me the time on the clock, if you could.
4:50
